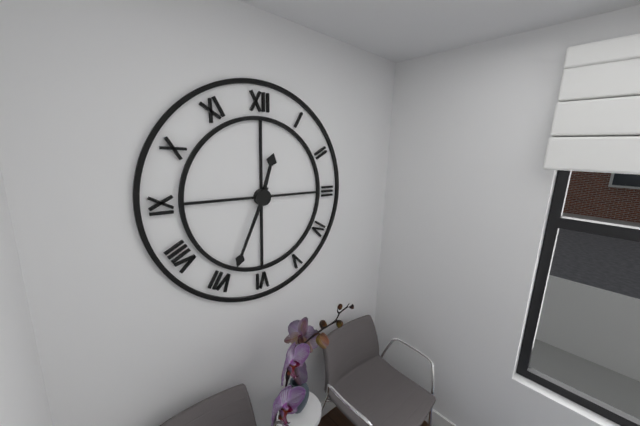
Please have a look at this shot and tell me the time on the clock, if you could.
12:34
